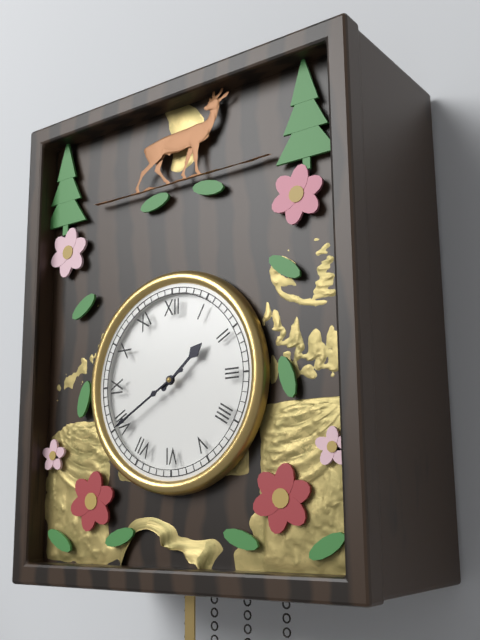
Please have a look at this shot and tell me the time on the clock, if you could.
1:40
